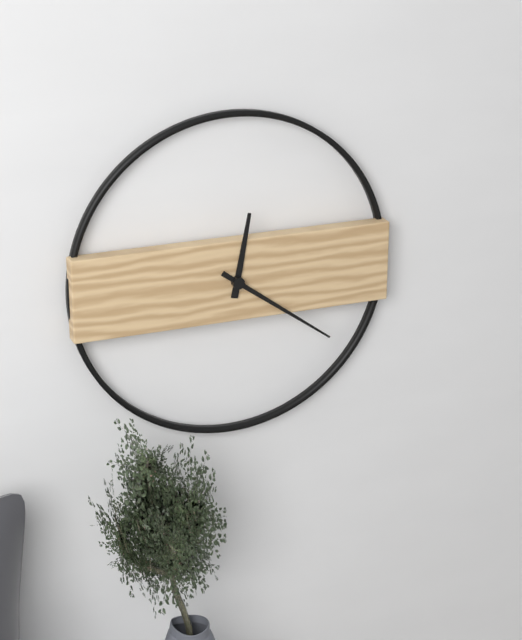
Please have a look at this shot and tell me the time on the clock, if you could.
12:21
